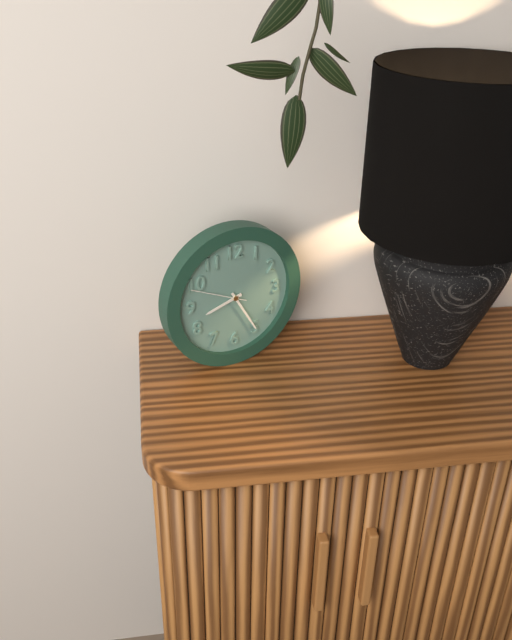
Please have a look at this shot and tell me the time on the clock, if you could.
8:25:49
